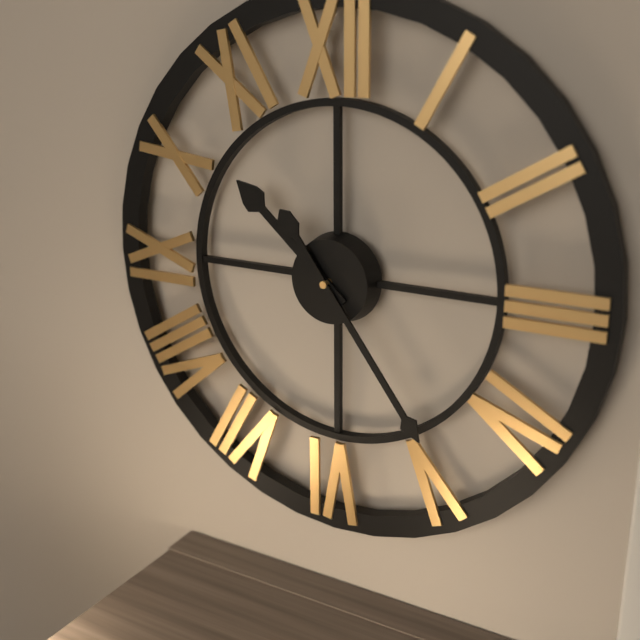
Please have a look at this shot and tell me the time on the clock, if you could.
10:24
